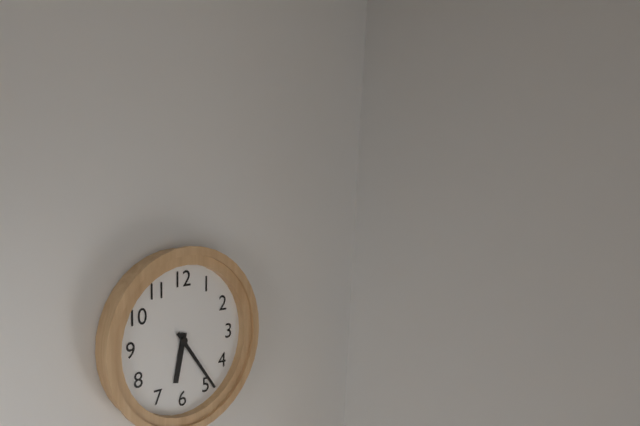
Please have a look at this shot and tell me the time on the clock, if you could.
6:24
